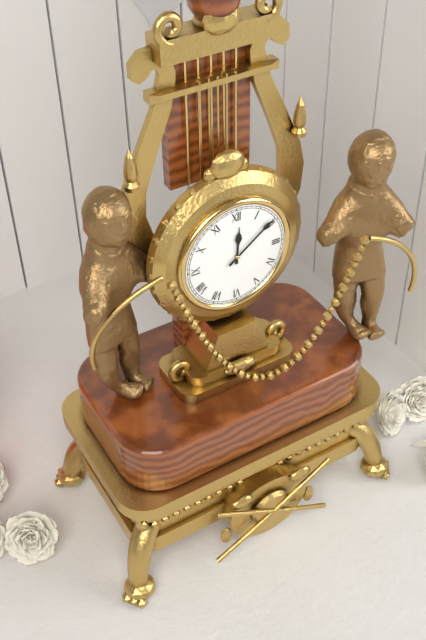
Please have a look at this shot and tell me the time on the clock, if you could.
12:09
